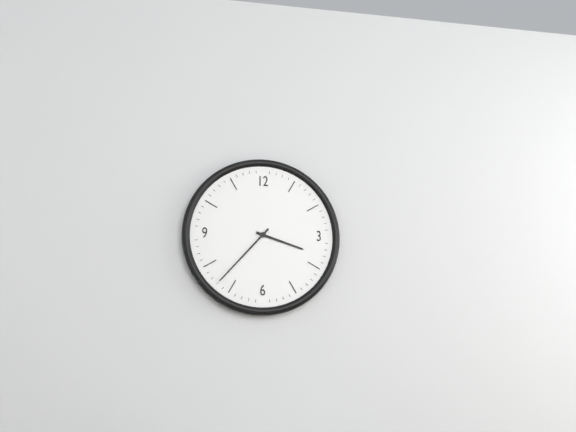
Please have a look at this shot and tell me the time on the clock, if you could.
3:37
